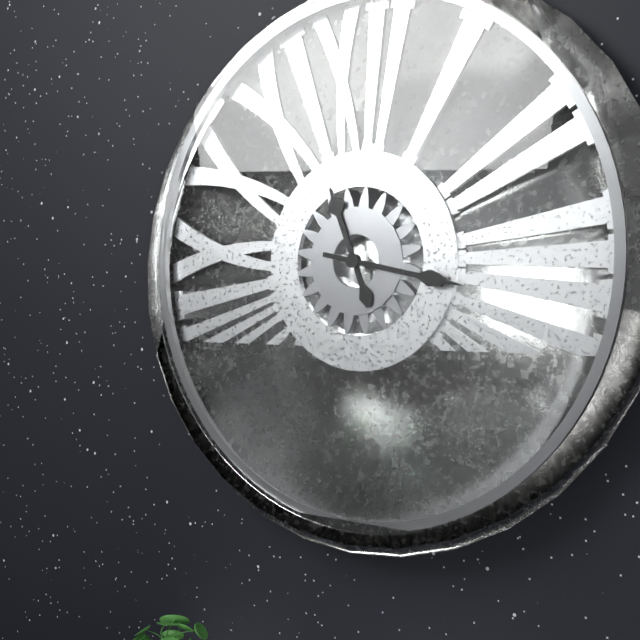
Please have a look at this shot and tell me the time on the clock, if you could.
11:17
